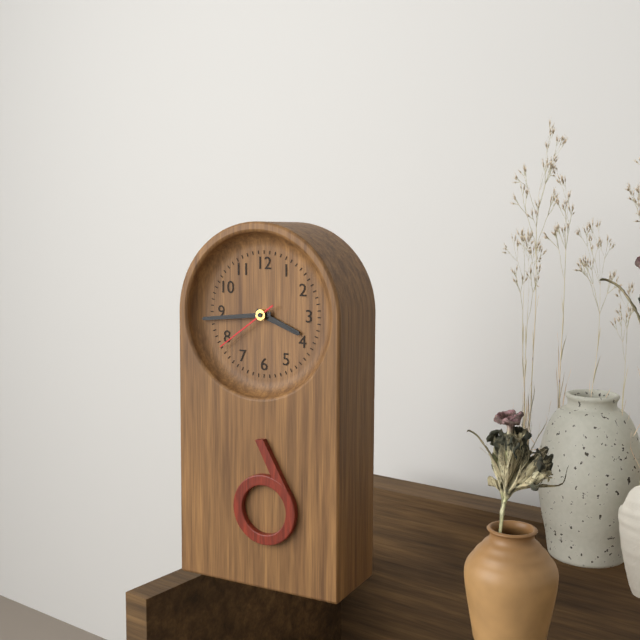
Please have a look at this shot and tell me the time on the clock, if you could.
3:44:39
